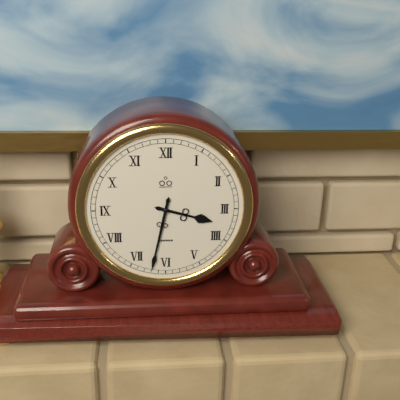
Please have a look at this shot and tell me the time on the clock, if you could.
3:32
